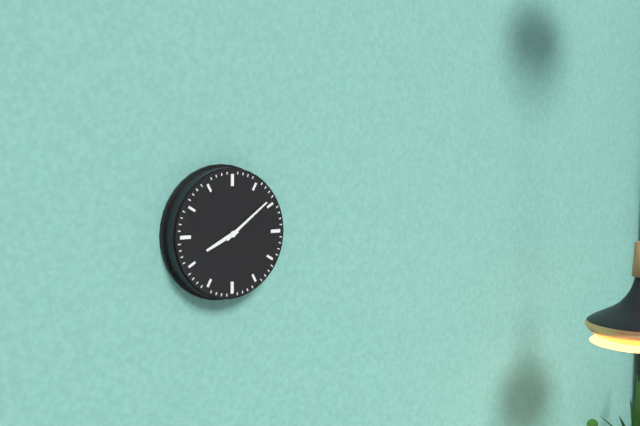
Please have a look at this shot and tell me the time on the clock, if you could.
8:09
